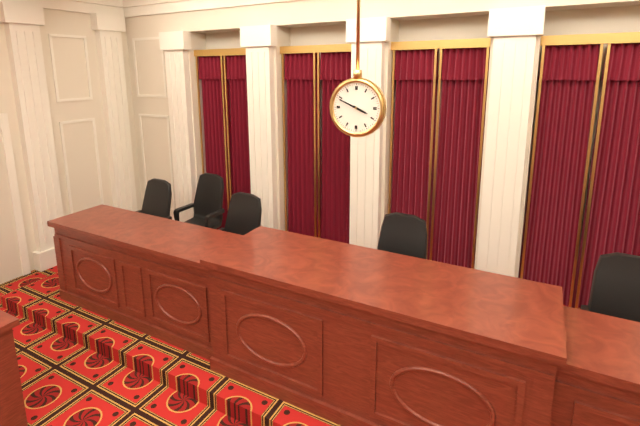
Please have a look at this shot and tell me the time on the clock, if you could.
3:49
